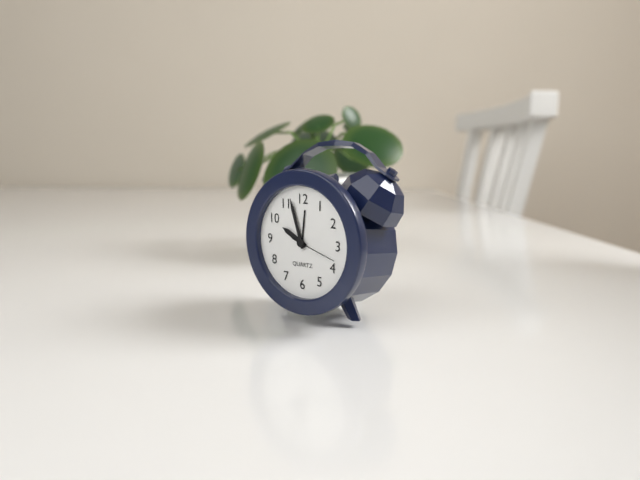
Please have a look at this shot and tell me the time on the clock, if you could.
9:57
